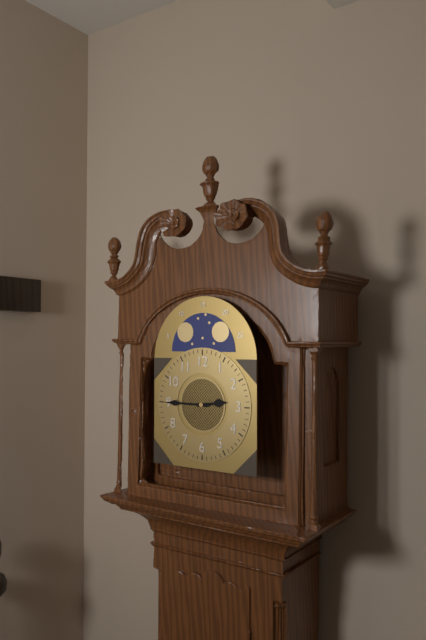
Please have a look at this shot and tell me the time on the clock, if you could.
2:45
